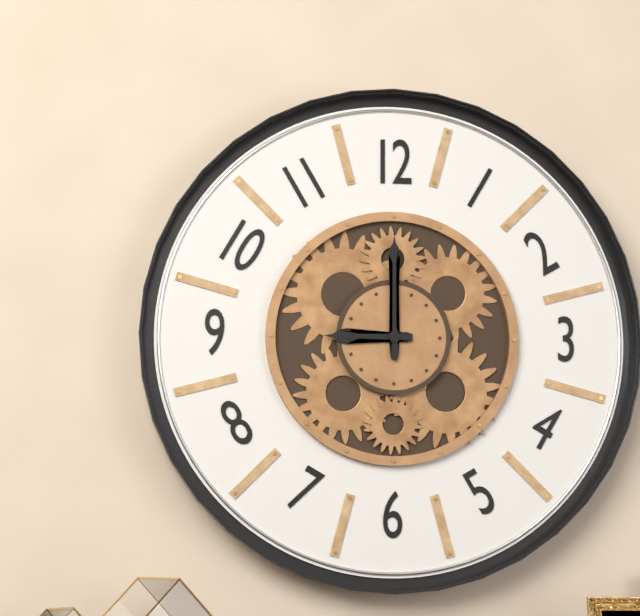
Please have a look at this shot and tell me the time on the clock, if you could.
9:00
